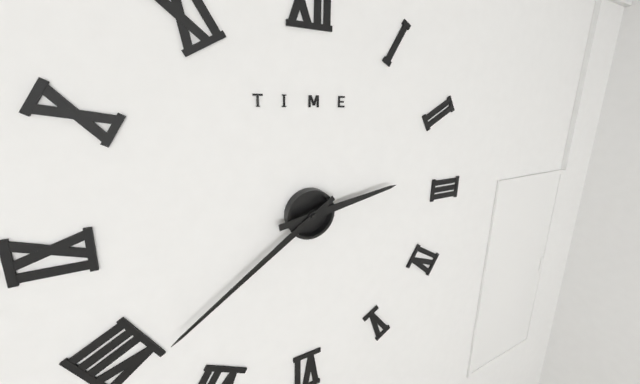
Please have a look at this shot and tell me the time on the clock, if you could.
2:39
